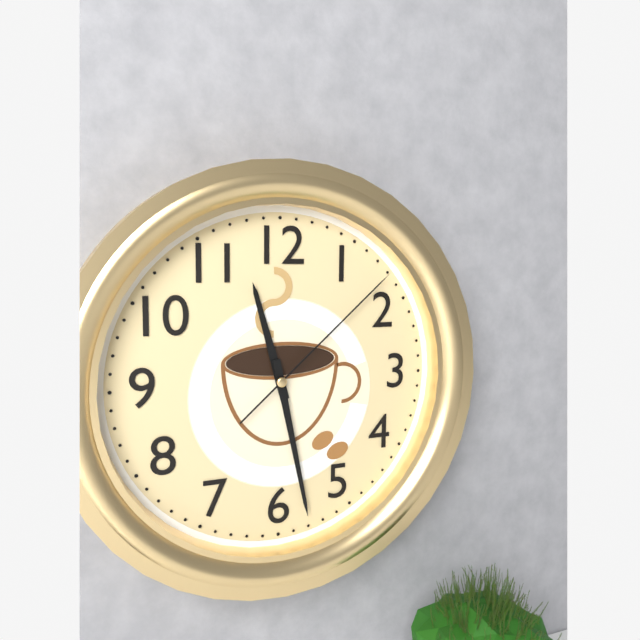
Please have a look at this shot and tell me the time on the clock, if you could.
11:28:08
